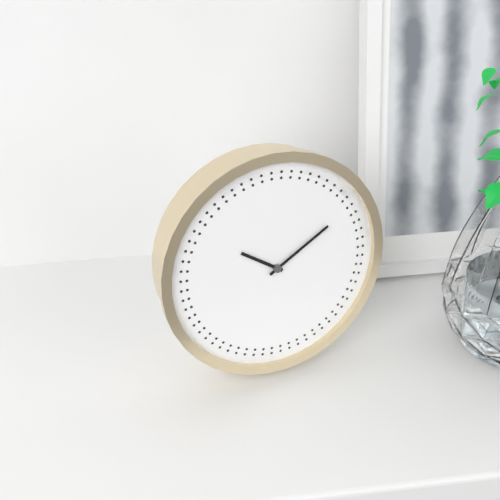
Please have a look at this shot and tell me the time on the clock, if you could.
10:10
